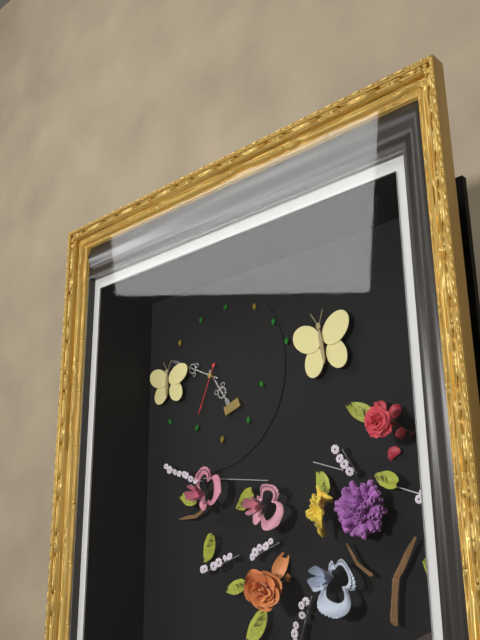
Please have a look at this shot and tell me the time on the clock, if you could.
4:49:34
